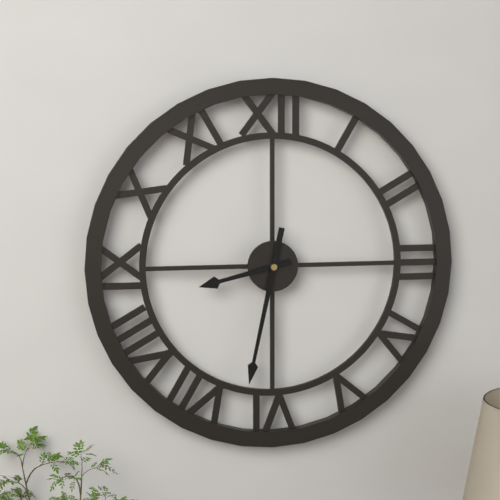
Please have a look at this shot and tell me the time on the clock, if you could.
8:32
